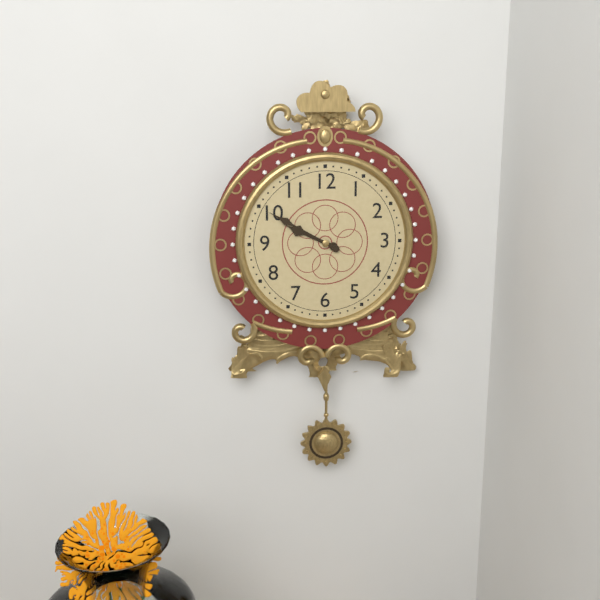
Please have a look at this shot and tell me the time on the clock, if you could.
9:50
